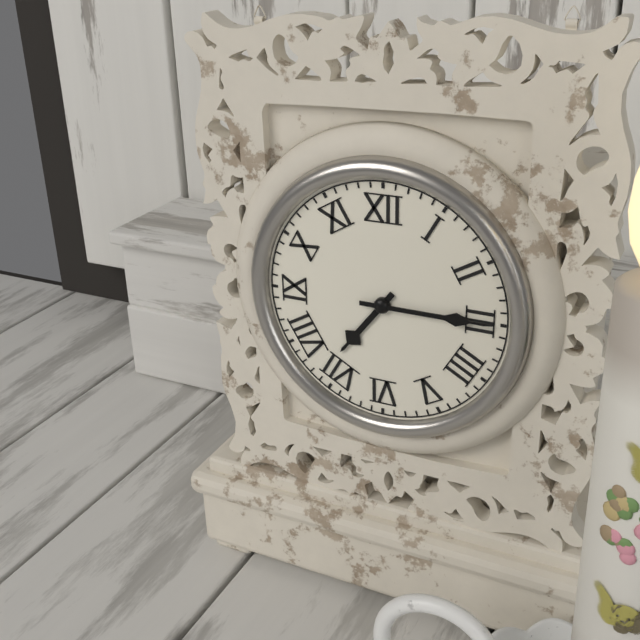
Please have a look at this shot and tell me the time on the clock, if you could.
7:15
